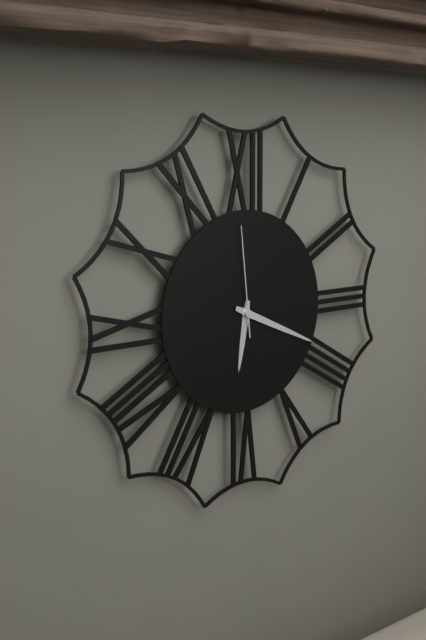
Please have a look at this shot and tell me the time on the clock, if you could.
6:19:59
